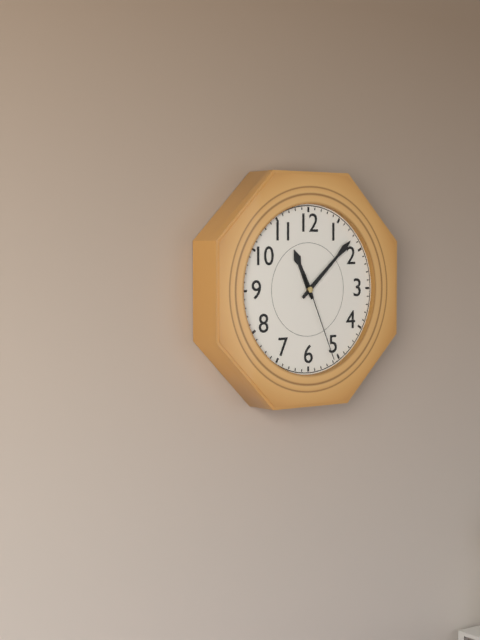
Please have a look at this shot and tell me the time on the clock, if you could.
11:08:26
